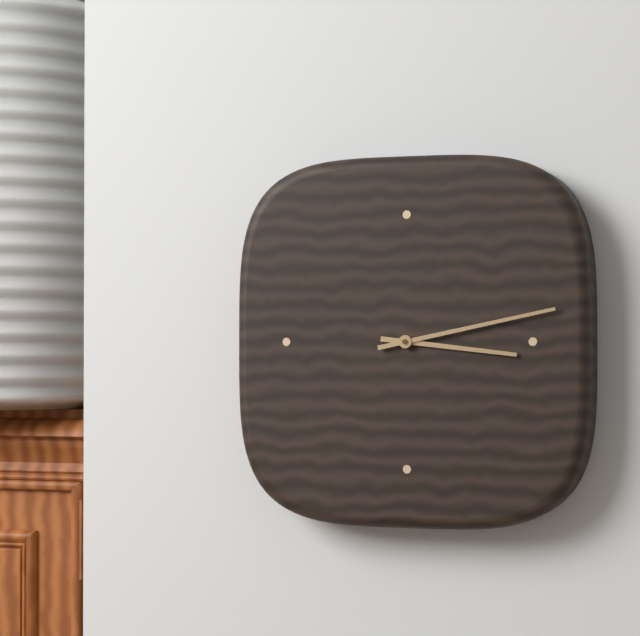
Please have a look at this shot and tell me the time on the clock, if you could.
3:13
